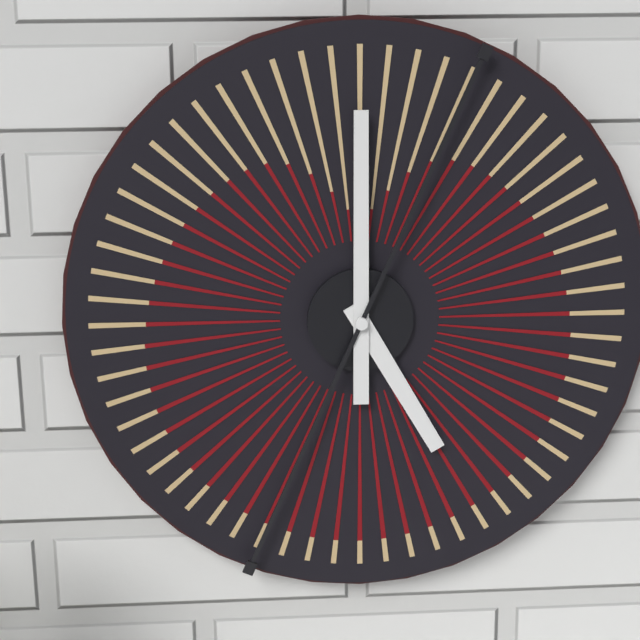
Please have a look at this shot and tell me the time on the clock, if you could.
5:00
